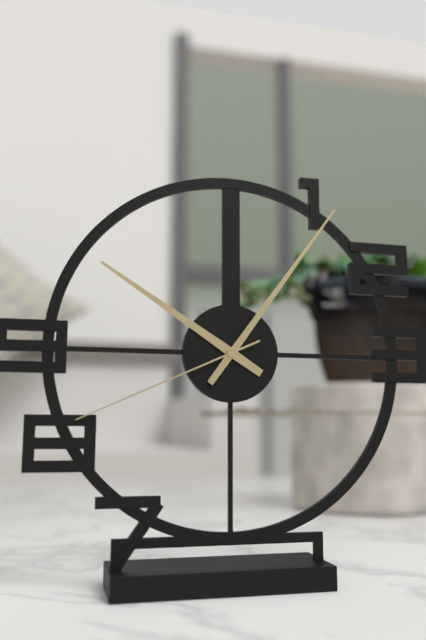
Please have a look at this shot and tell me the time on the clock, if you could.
10:06:41
